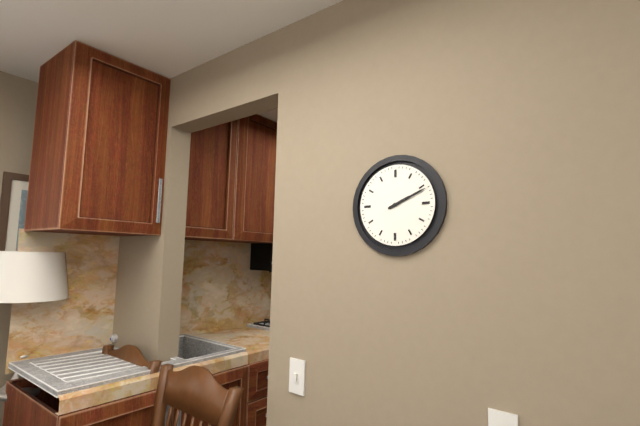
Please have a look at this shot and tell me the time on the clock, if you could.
2:11
